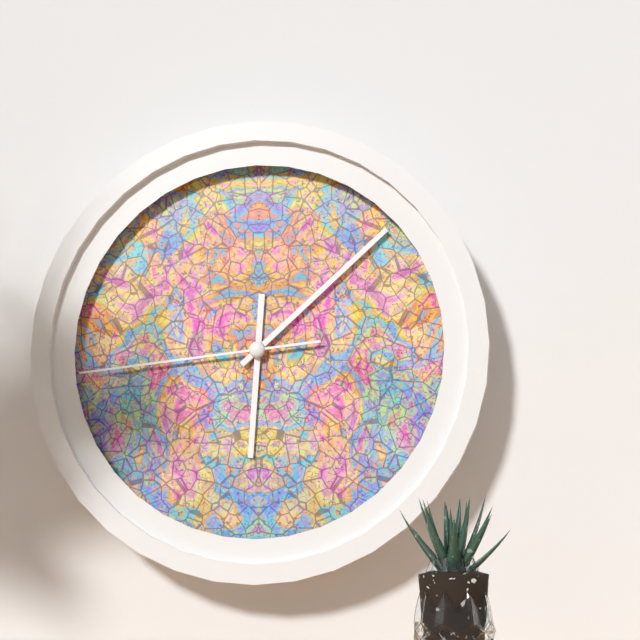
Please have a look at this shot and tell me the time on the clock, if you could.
6:08:44
